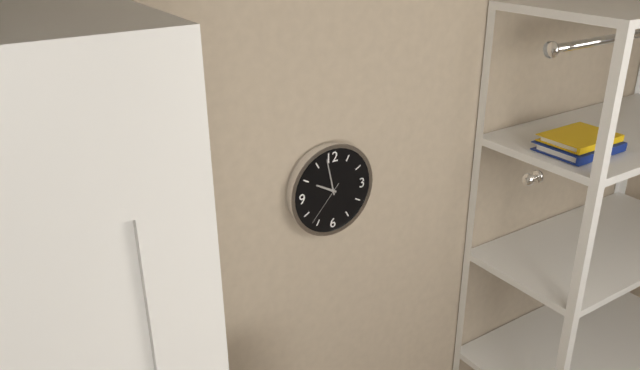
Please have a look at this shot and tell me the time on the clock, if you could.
9:58
